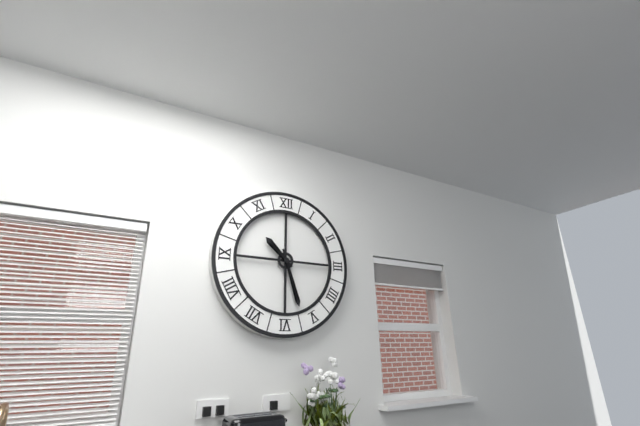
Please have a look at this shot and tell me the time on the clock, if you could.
10:27
